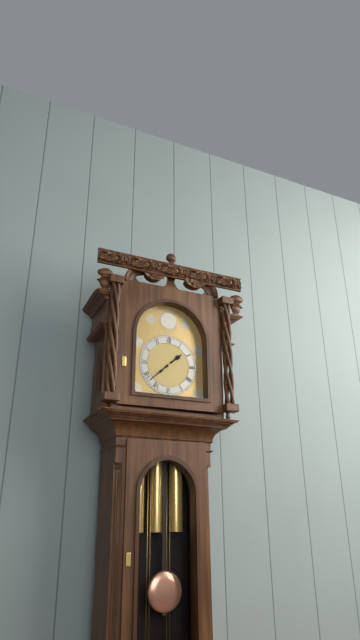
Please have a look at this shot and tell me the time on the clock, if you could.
1:38
